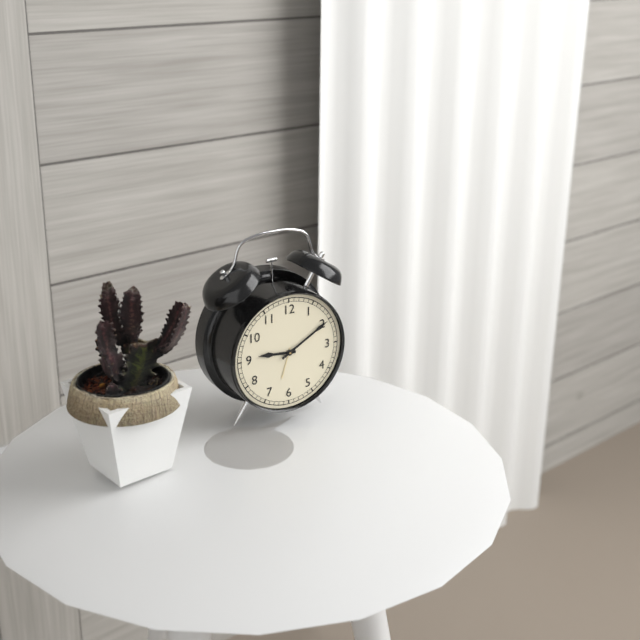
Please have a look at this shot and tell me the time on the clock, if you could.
9:10
